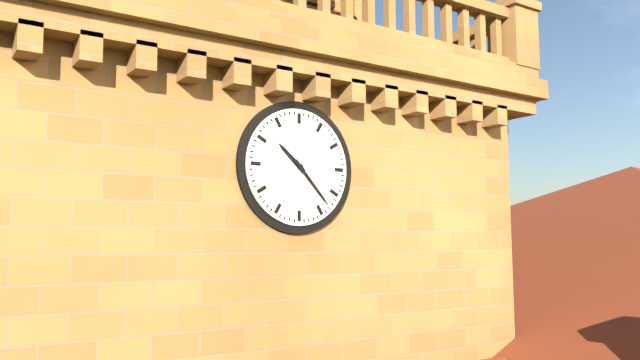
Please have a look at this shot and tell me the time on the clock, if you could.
10:23
